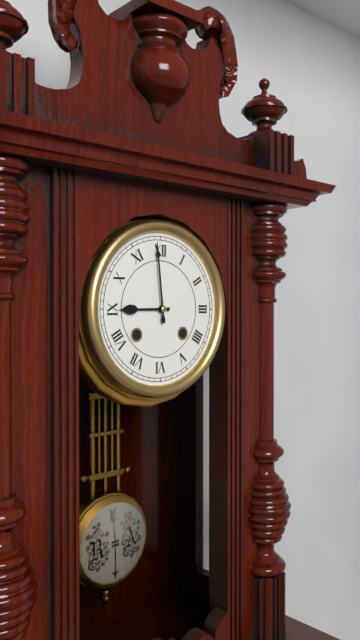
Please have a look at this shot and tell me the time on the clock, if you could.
8:59
